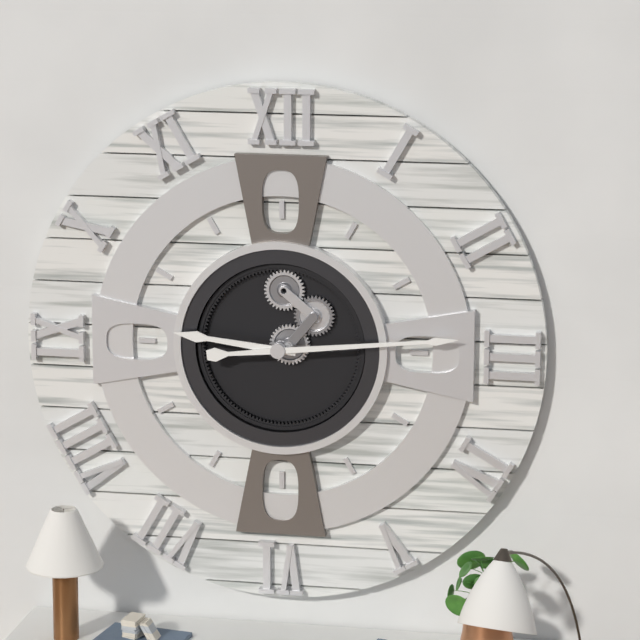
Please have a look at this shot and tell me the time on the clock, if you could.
9:14
